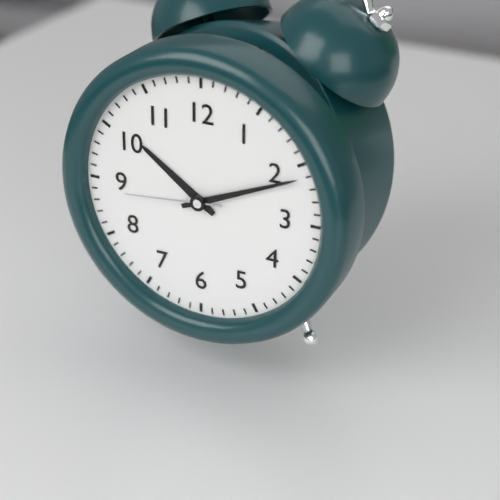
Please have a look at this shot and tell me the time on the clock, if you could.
10:11:44
